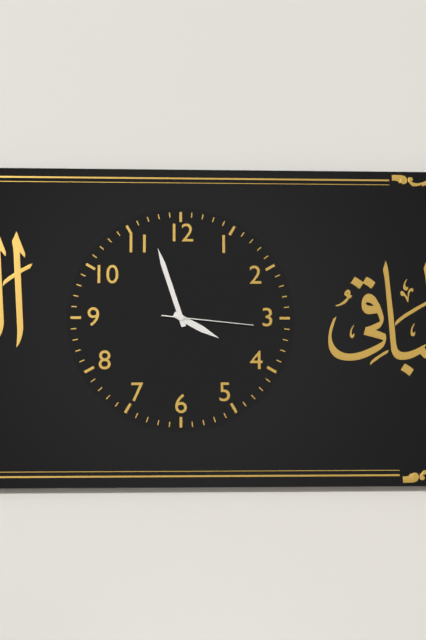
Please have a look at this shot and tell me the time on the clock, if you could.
3:57:16
